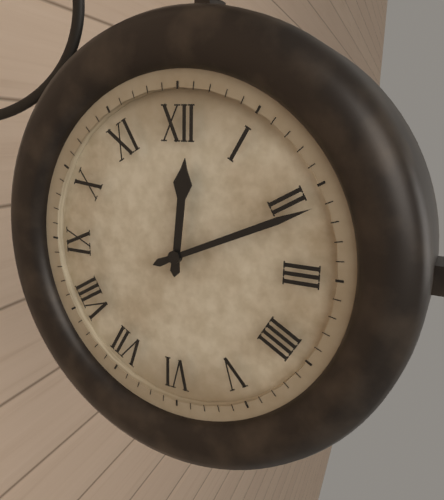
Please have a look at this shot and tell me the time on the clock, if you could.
12:11
